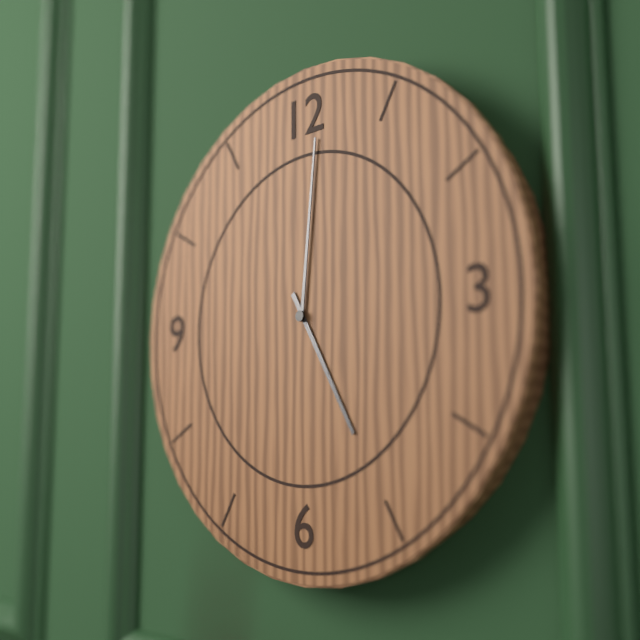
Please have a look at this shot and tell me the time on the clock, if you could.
5:01
